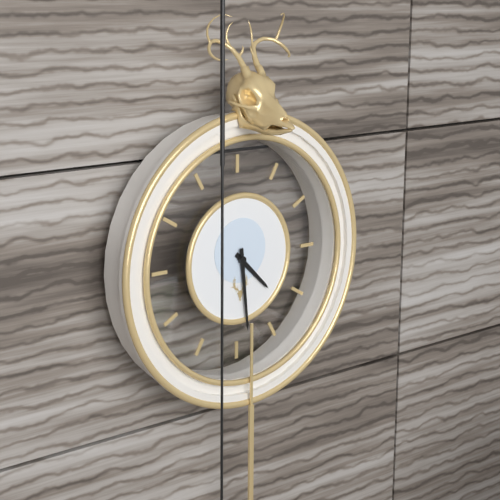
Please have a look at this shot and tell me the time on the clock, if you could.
4:29
